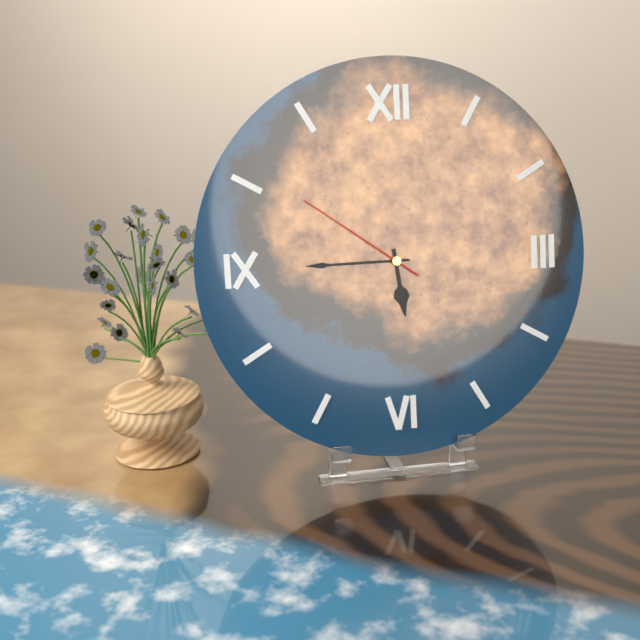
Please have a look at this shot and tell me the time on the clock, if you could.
5:45:51
